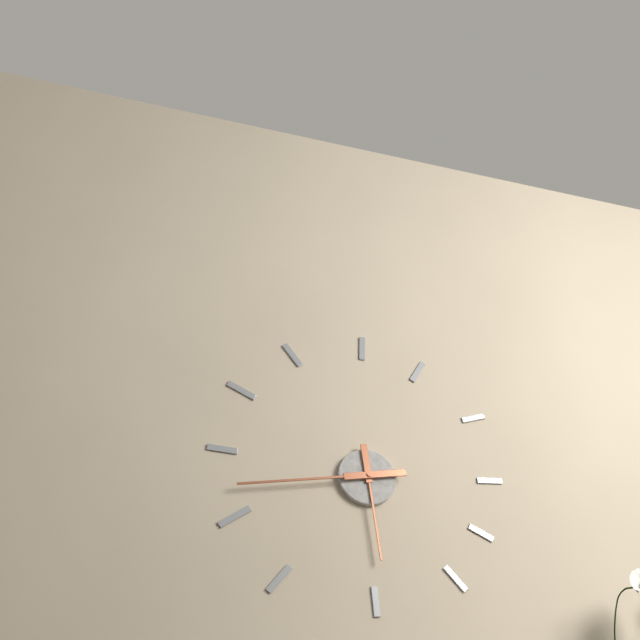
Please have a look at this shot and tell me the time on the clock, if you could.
5:43
